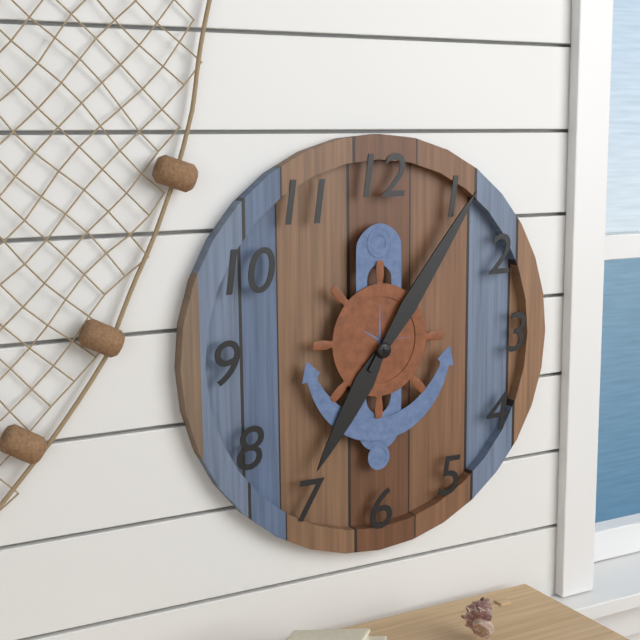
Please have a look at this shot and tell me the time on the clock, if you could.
7:06
